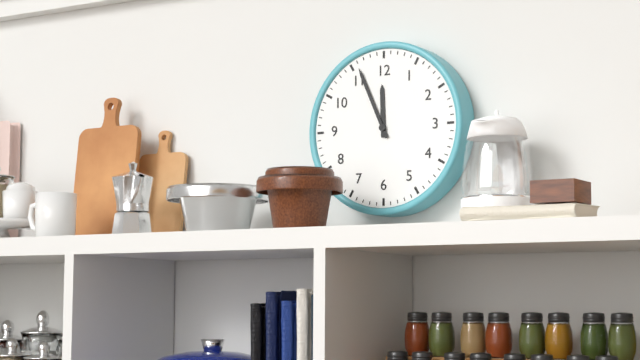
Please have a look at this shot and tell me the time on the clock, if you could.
11:56
